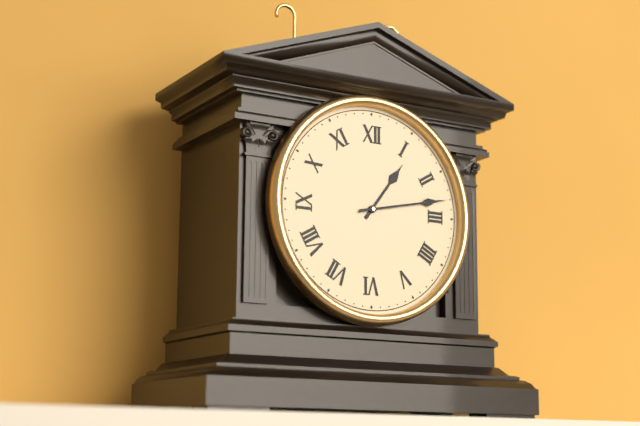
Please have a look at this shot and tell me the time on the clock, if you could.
1:13
